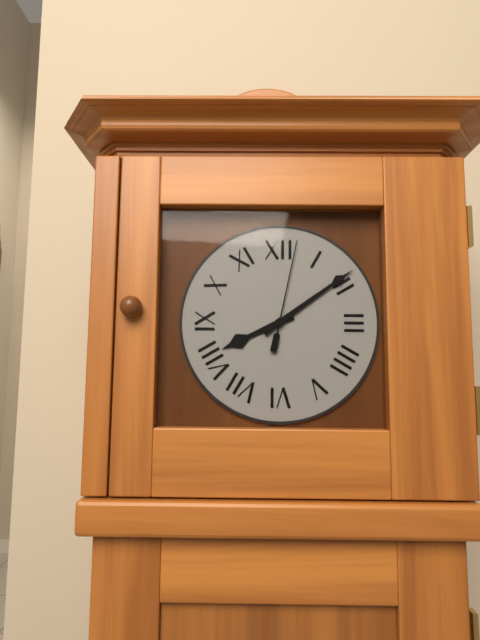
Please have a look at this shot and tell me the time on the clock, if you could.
8:09:02
